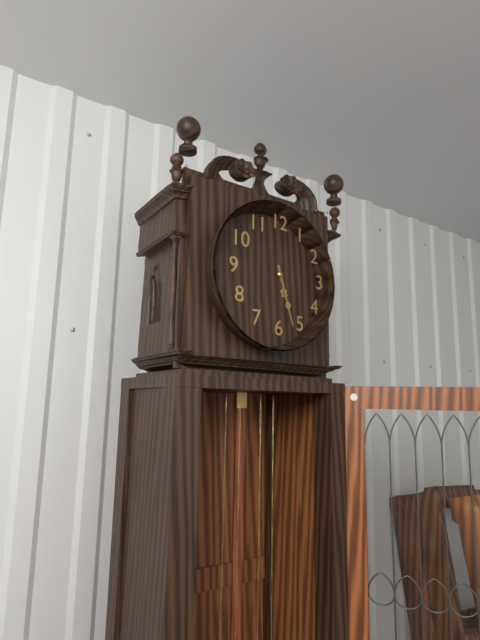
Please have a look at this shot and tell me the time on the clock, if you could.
5:27
